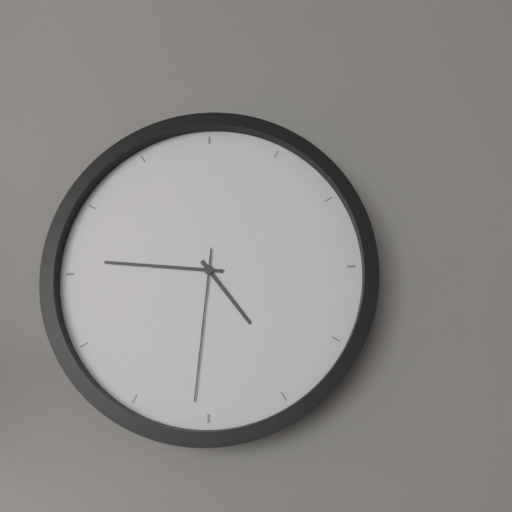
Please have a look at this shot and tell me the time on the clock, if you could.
4:46:31
